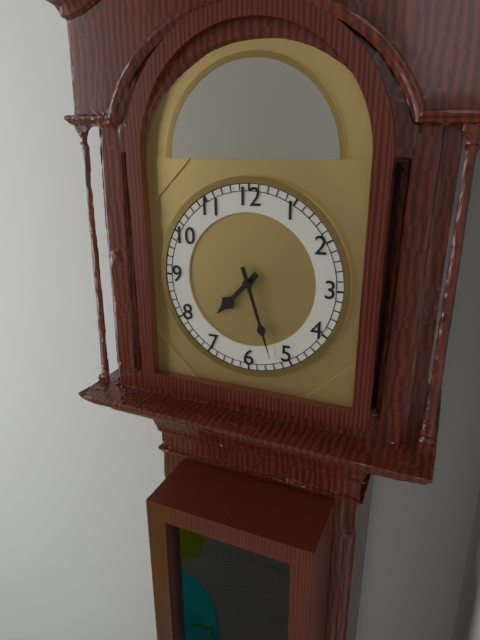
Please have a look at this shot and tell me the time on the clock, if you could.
7:27
